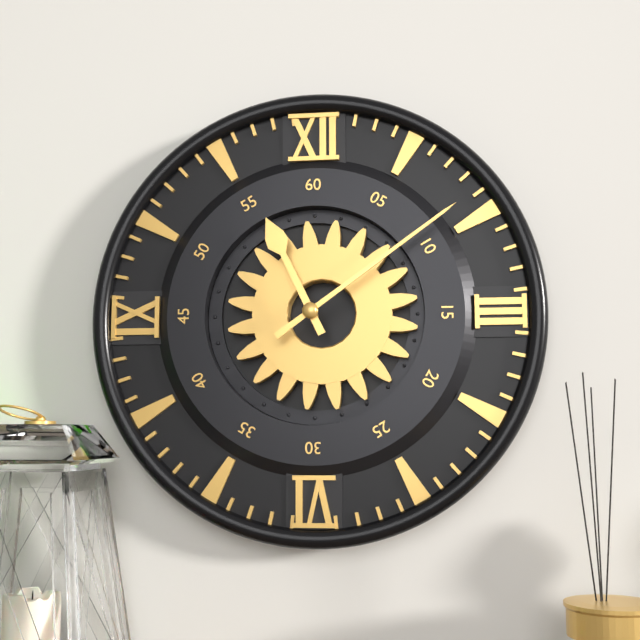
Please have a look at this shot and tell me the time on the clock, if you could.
11:09
